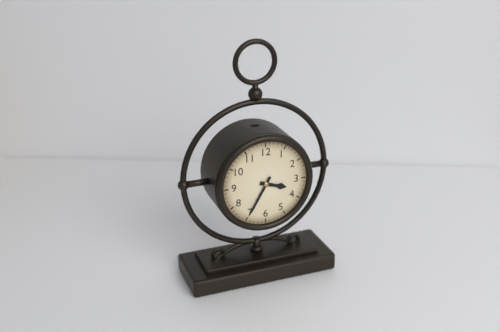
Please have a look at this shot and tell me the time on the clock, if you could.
3:35
